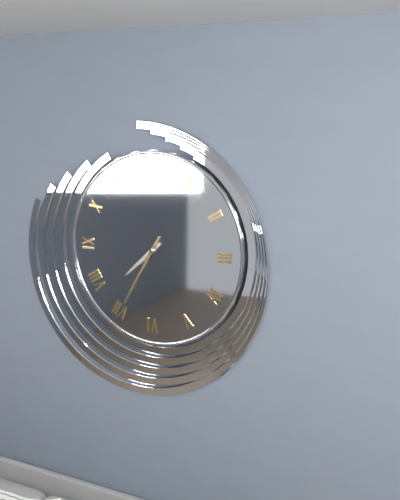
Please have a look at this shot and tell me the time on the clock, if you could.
7:35
